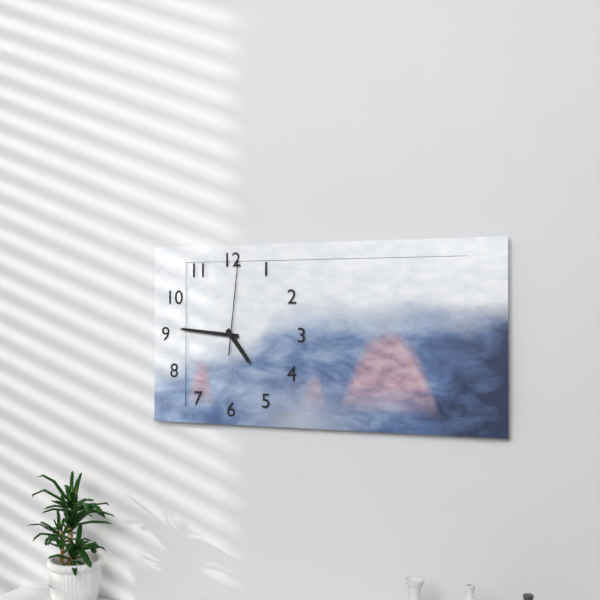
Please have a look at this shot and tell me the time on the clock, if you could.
4:46:01
